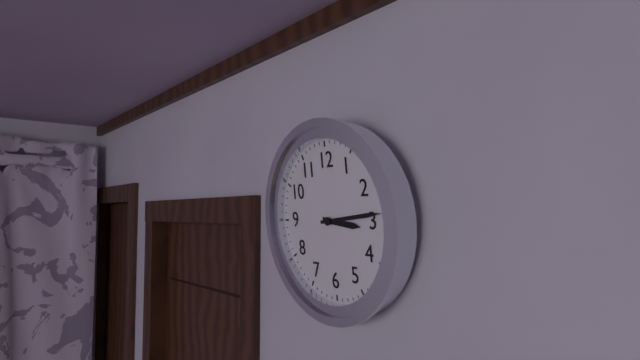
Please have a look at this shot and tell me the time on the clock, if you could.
3:14
